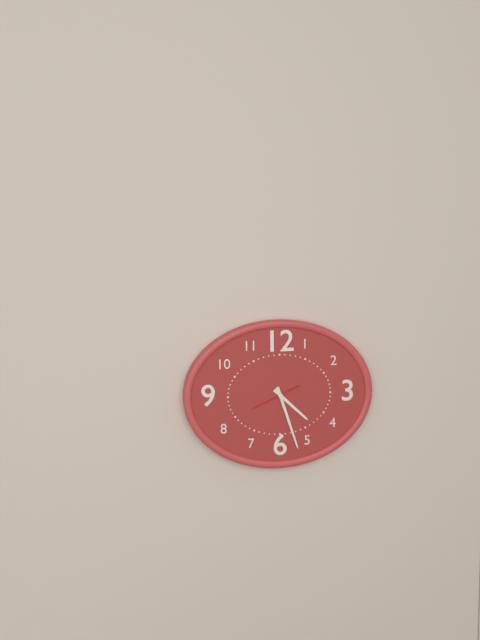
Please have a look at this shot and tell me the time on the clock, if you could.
4:27
